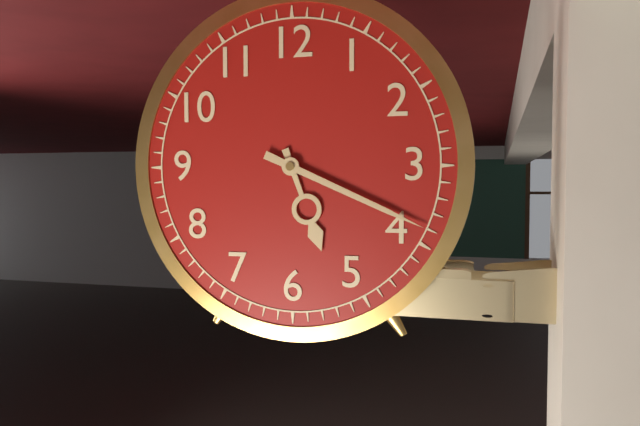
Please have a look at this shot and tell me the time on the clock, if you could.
5:19
